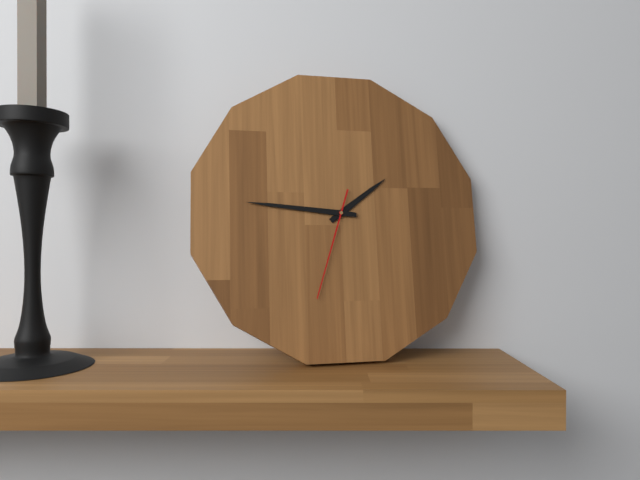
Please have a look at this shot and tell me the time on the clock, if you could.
1:46:33
